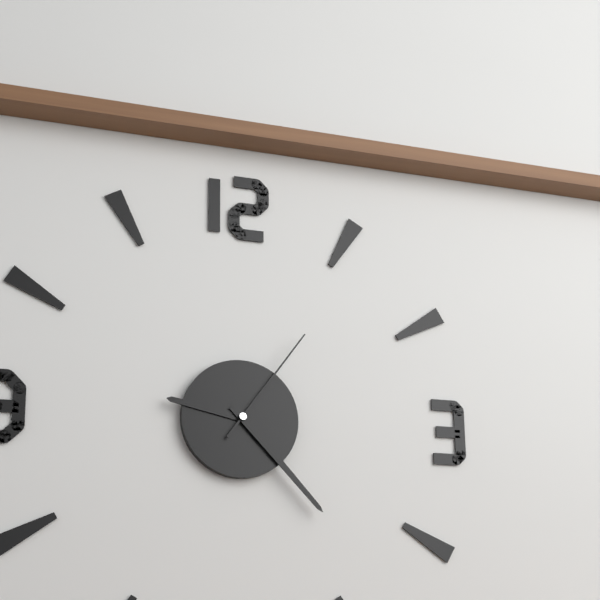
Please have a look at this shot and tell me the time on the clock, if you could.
9:23:06
